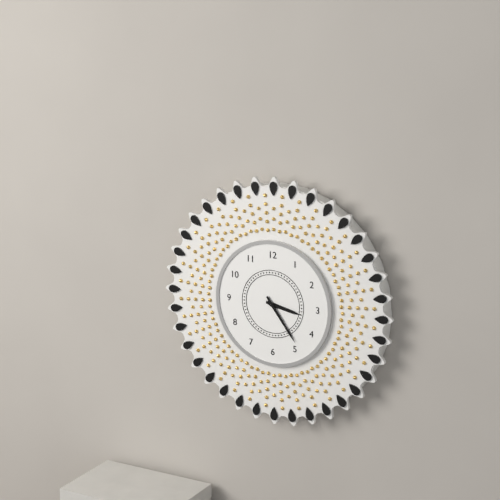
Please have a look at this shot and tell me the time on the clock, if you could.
3:24
